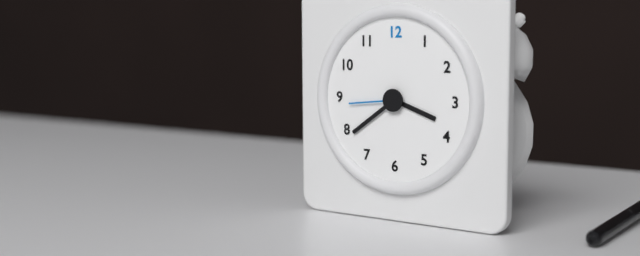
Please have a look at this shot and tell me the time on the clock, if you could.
3:39:44
